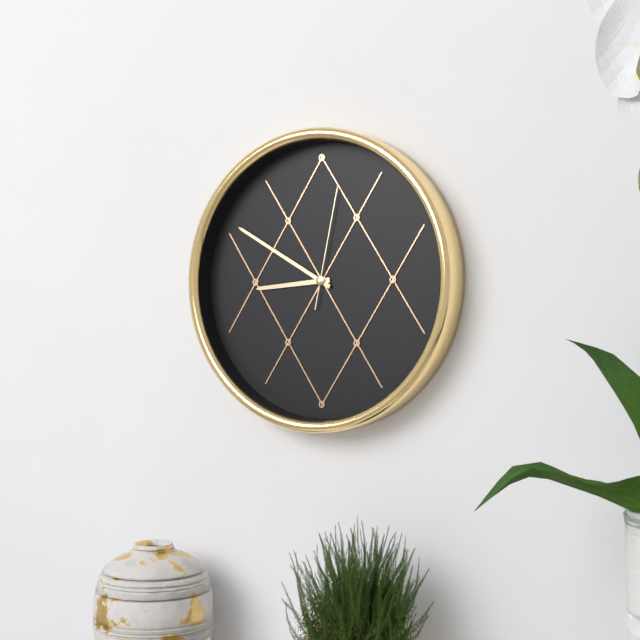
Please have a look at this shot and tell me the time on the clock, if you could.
8:50:02
